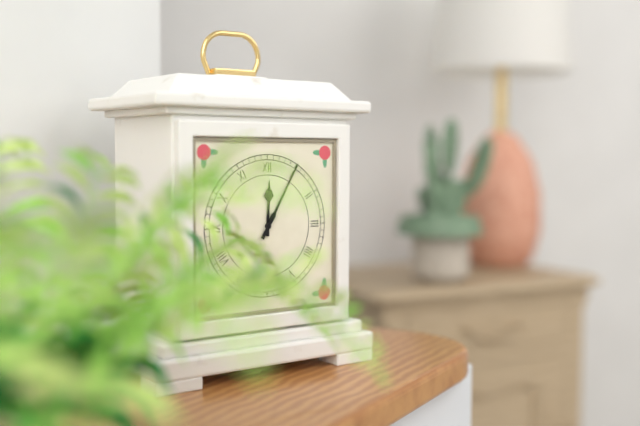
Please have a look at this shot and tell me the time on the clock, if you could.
12:05
